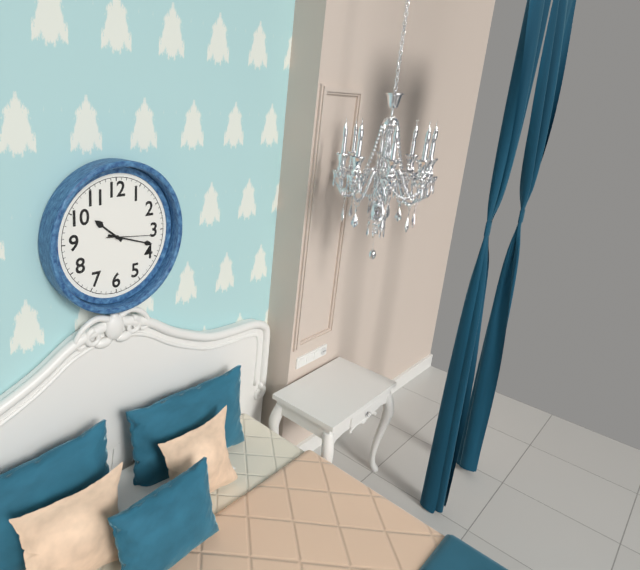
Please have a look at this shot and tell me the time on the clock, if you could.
10:18
